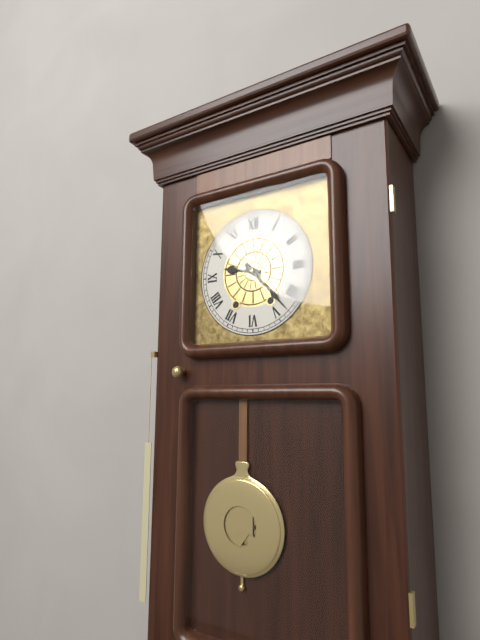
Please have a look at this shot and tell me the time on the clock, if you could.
9:23
